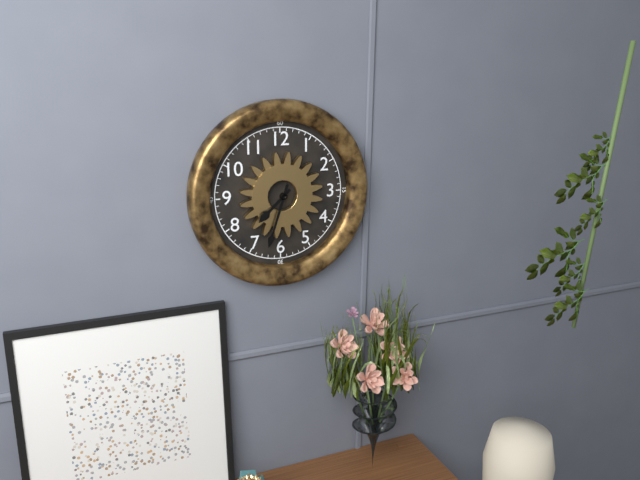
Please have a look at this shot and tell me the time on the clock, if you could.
7:33
